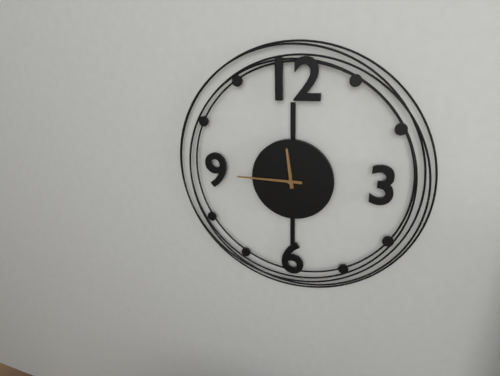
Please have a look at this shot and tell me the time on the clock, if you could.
11:45
